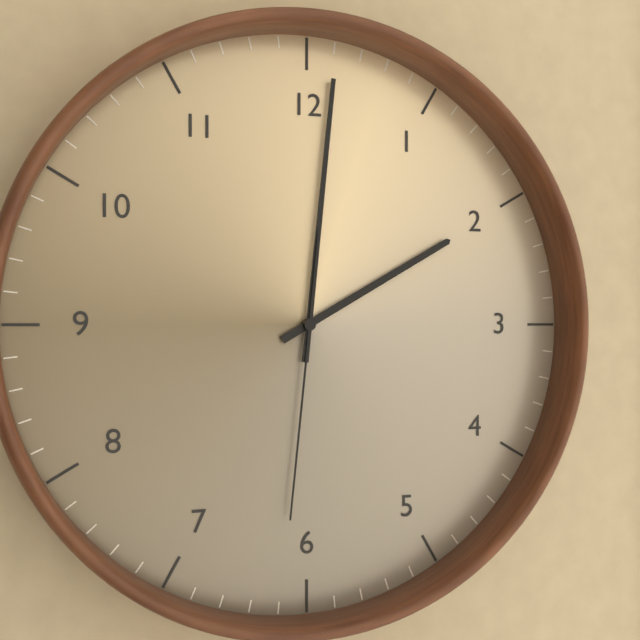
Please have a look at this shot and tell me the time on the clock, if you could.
2:01:31
